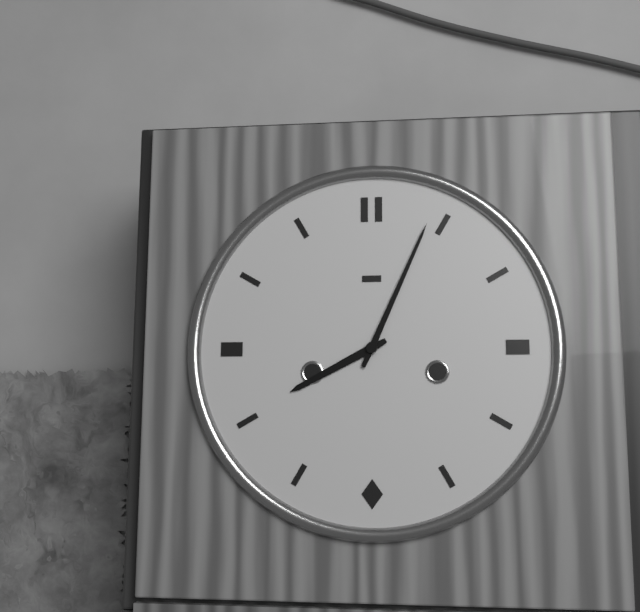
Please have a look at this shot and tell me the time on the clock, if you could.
8:04
